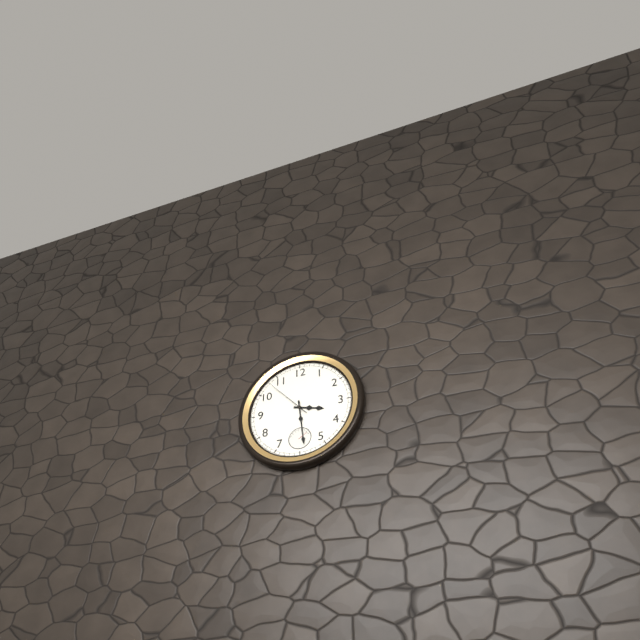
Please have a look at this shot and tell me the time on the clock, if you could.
3:29
